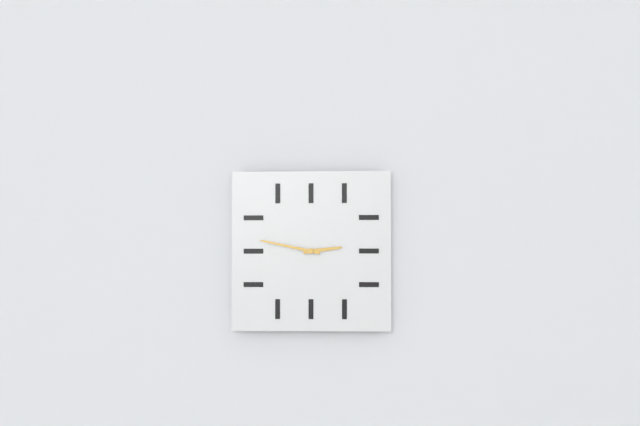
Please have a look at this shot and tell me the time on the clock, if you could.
2:47
